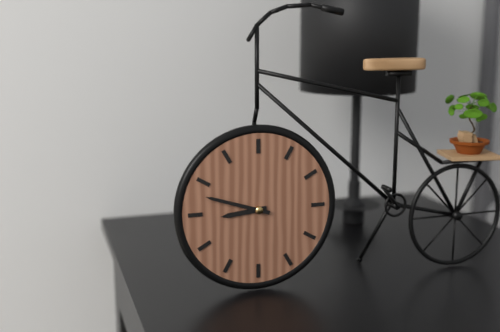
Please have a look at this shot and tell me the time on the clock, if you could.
8:48
